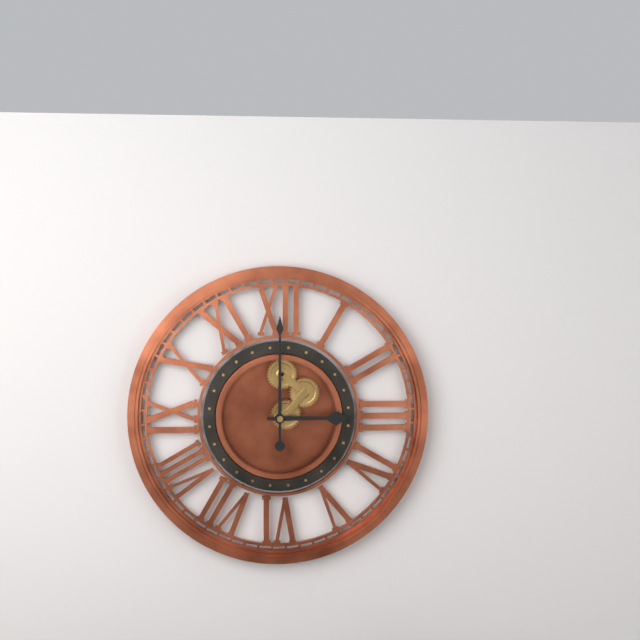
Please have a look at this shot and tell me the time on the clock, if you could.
3:00
